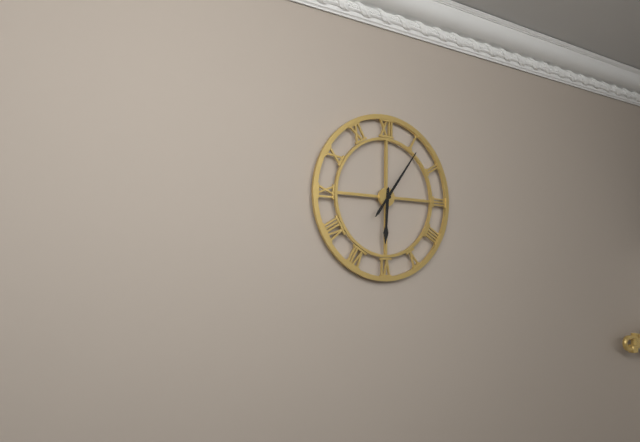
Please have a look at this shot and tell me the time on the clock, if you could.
6:06
